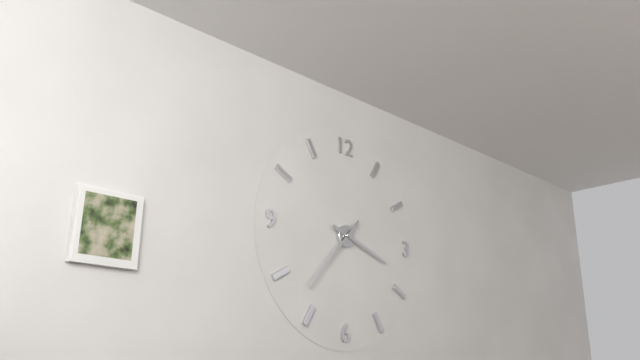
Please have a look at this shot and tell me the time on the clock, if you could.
3:37
